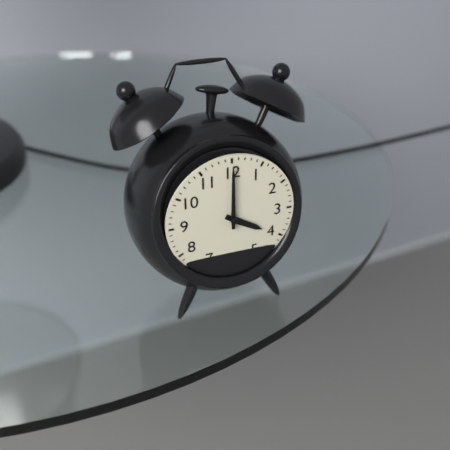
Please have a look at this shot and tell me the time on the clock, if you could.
4:00
